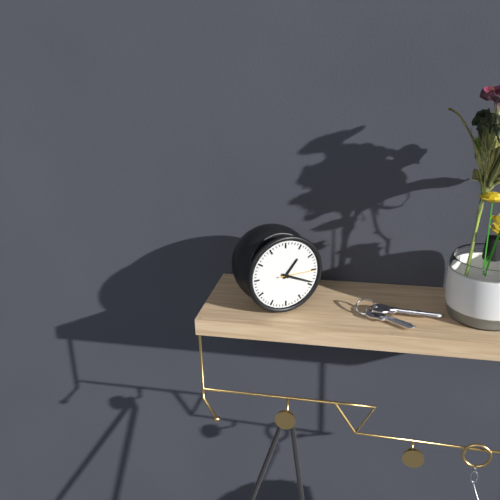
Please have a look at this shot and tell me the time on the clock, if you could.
1:19
